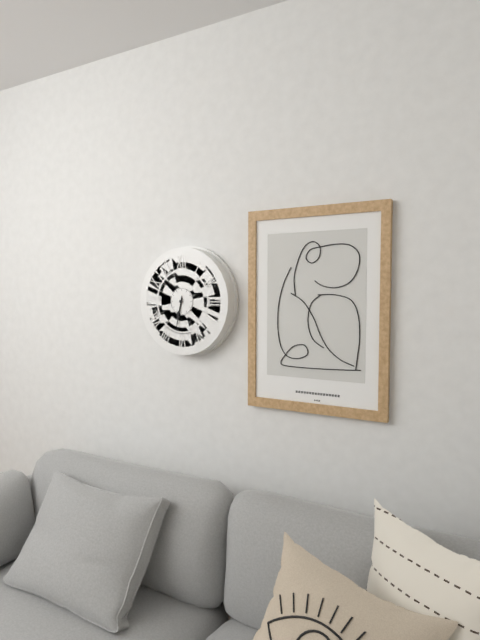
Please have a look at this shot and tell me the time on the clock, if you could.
6:32
